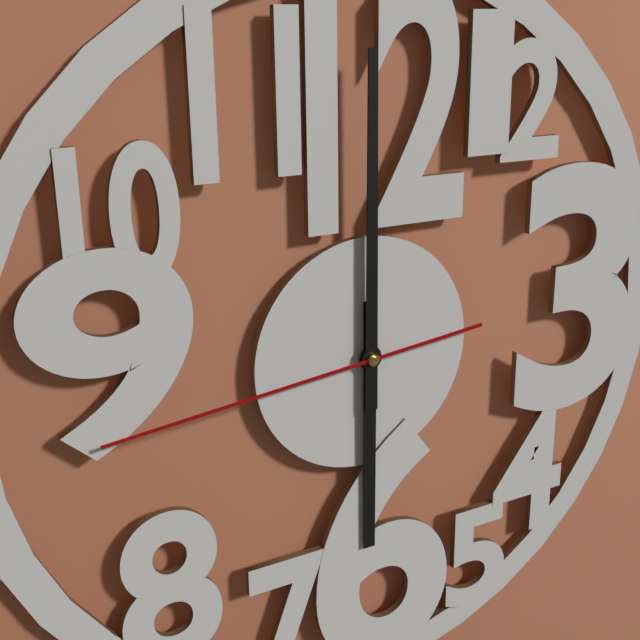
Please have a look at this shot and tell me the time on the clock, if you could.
6:00:44
